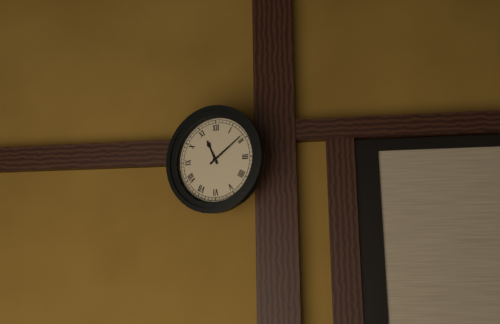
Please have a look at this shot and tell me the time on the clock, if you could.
11:09
